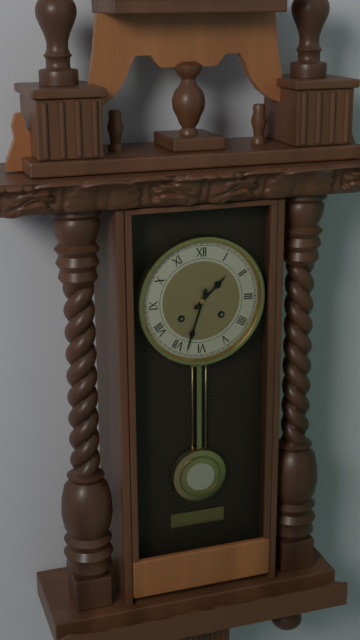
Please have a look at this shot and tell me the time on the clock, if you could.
1:33
